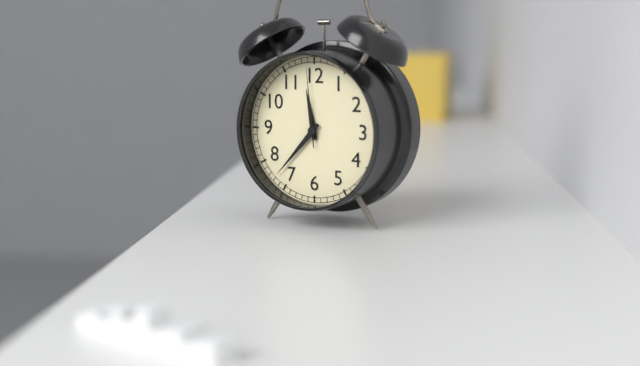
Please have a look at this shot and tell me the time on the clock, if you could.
11:37:59
